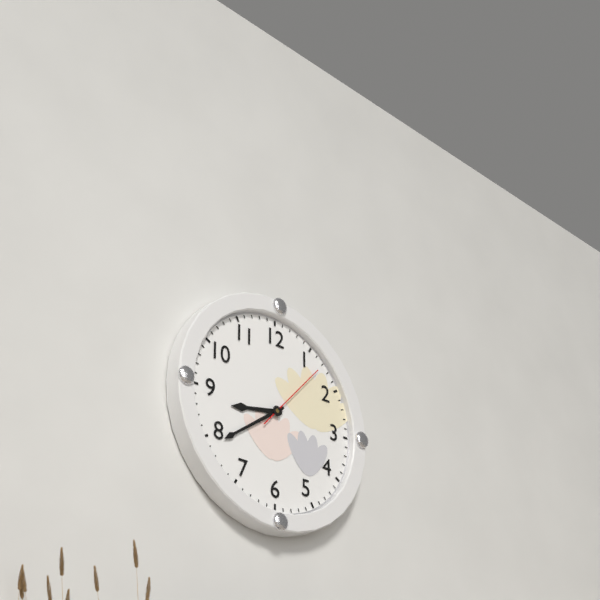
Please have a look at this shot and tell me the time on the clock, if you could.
8:39:07
